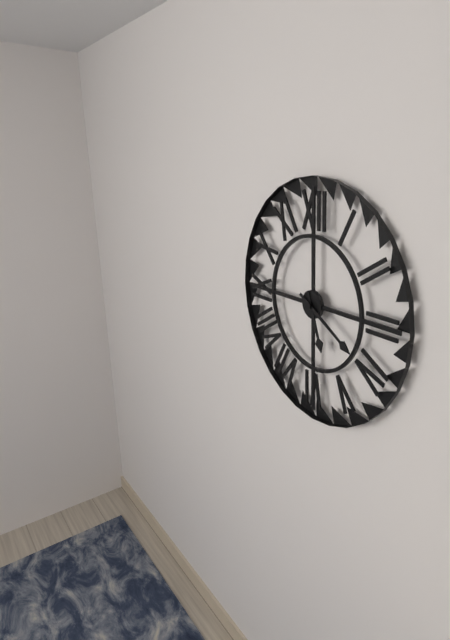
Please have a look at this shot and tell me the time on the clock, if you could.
5:20
